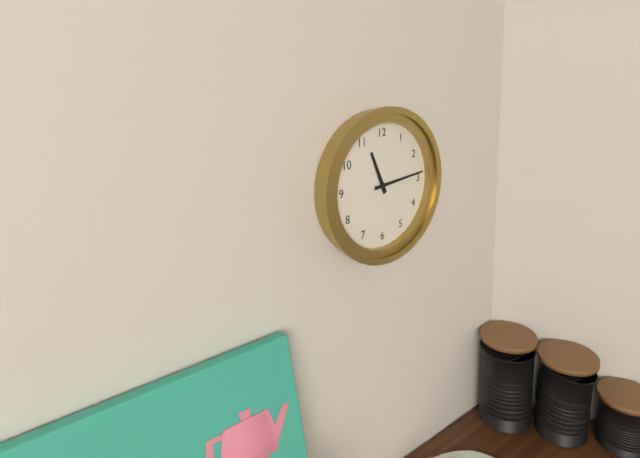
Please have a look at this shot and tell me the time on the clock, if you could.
11:14
